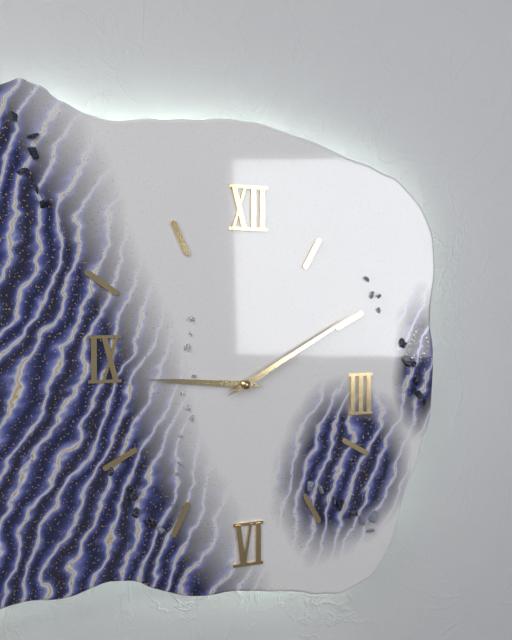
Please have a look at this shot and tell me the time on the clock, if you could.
9:10
